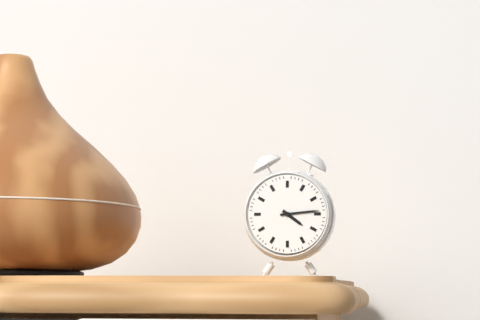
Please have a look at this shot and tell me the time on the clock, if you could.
4:14
